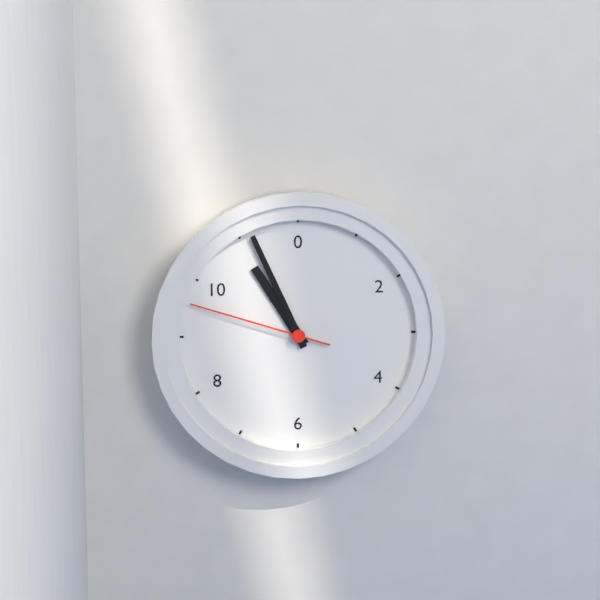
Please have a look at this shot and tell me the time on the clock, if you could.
10:56:48
